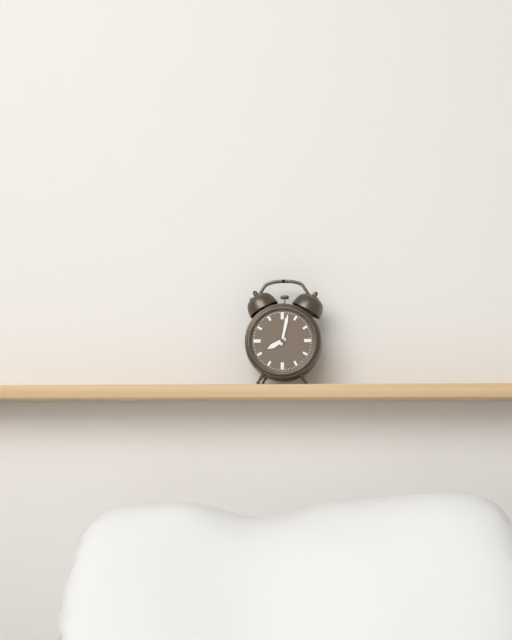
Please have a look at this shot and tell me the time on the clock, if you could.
8:02
